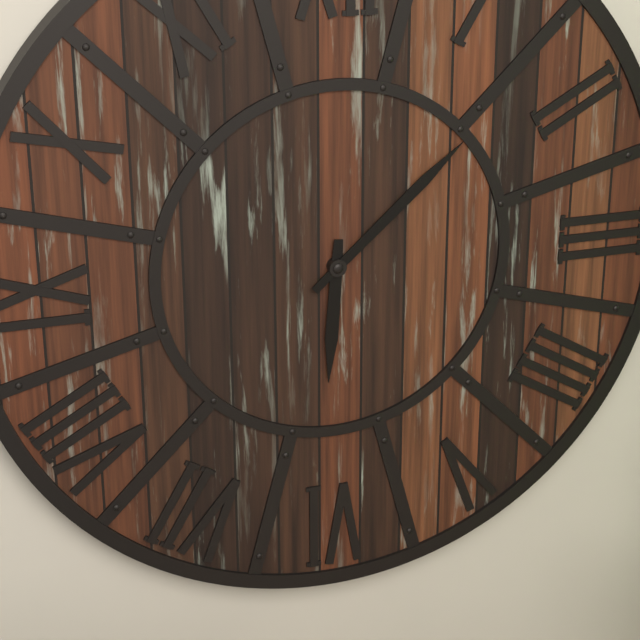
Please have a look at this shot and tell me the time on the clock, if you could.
6:08
